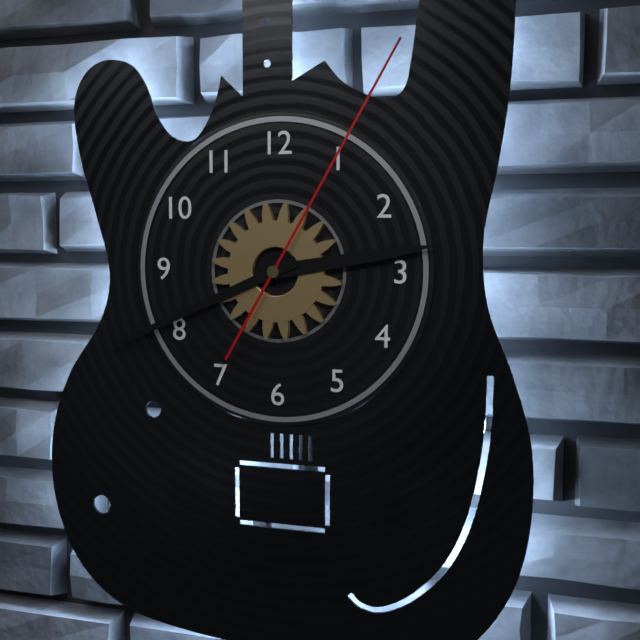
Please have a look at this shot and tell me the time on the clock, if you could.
2:41:05
